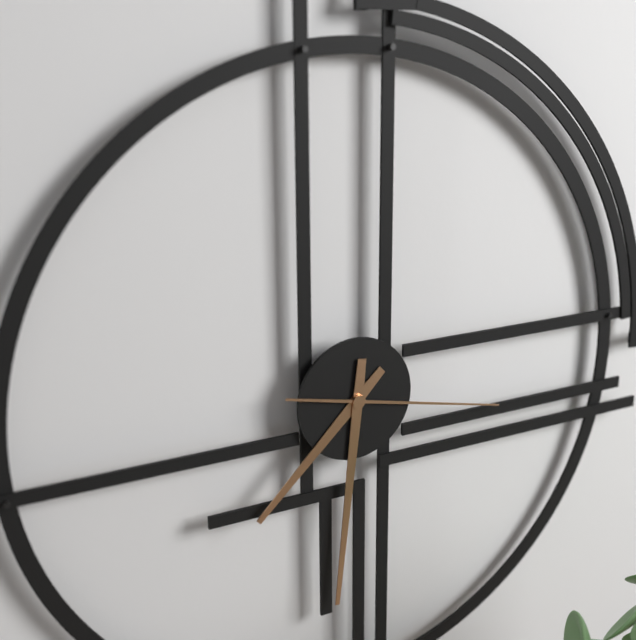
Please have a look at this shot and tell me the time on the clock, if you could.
7:31:17
